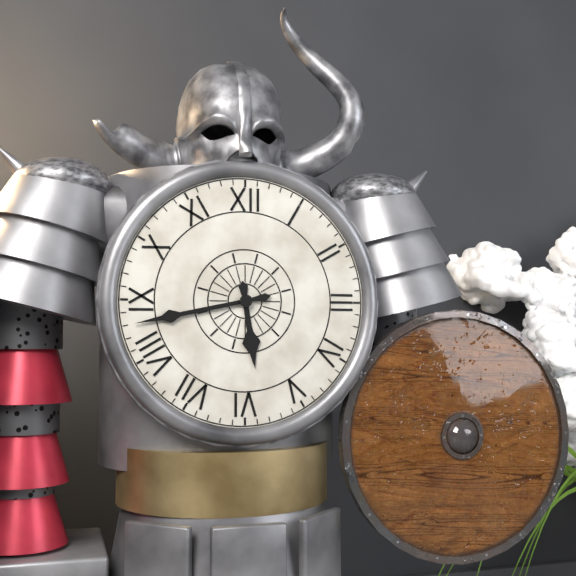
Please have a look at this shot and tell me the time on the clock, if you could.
5:43
